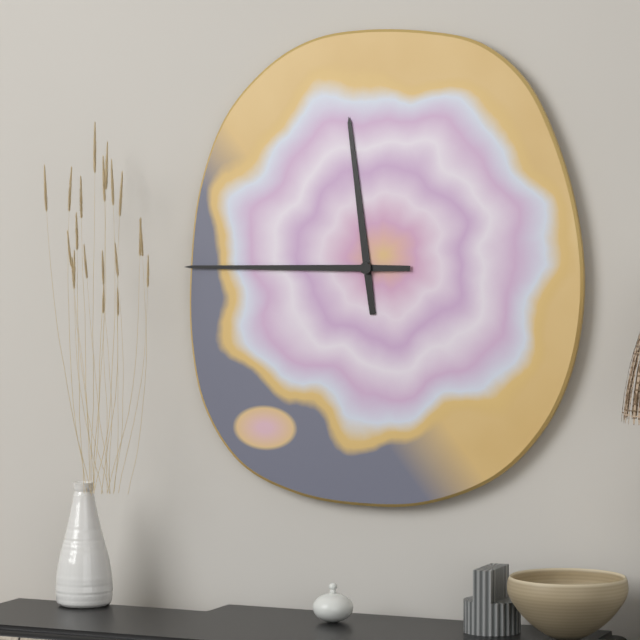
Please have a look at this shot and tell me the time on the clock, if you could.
11:45
